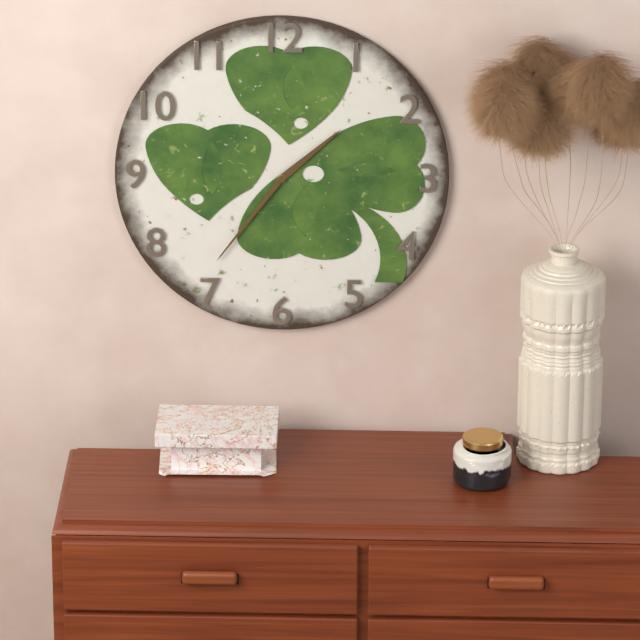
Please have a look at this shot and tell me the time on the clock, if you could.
1:36
